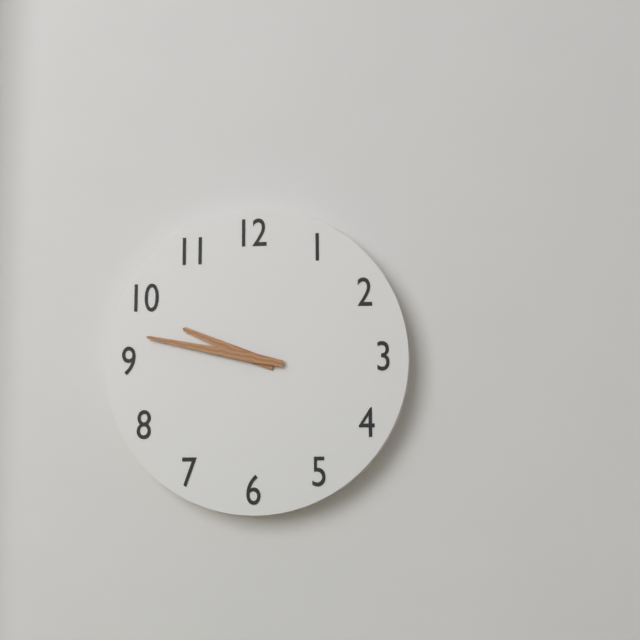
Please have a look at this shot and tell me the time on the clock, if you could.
9:47
